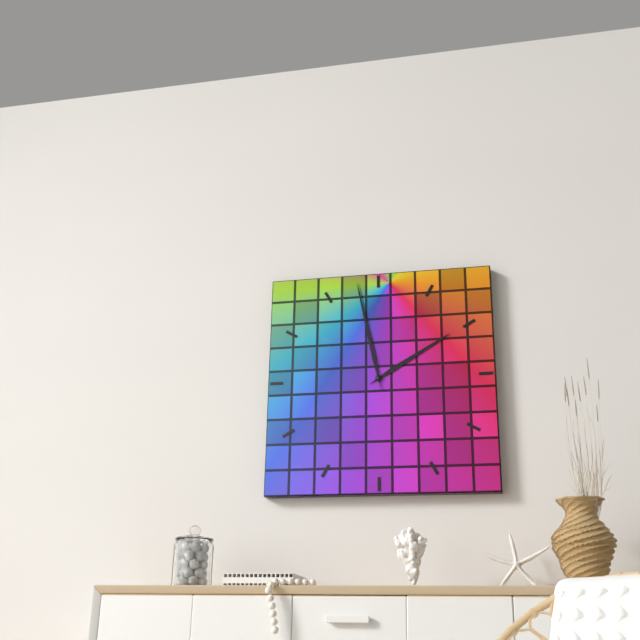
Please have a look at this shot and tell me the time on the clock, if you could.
1:58
